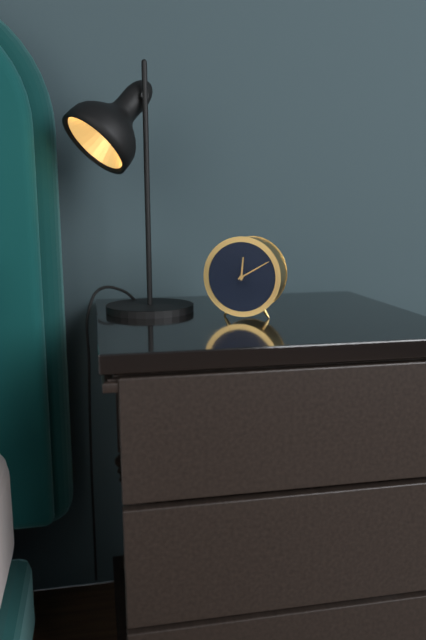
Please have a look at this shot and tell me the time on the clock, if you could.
12:10
